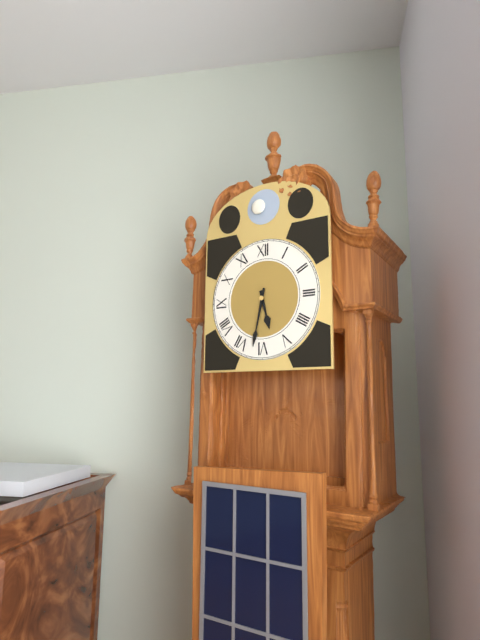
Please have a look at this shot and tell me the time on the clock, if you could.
5:32
